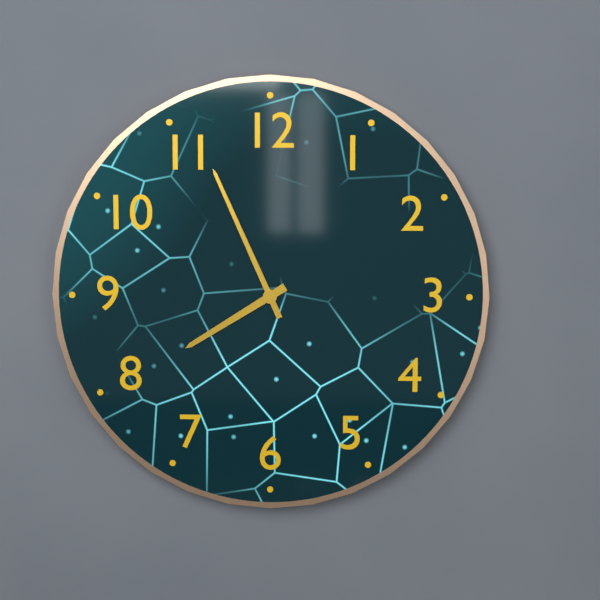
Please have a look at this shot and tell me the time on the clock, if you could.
7:56
